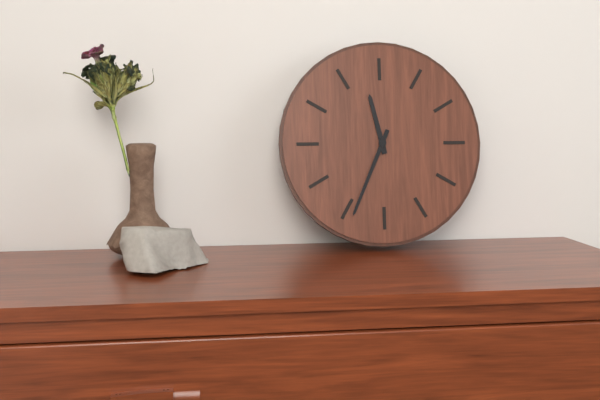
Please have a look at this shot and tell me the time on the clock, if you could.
11:34
